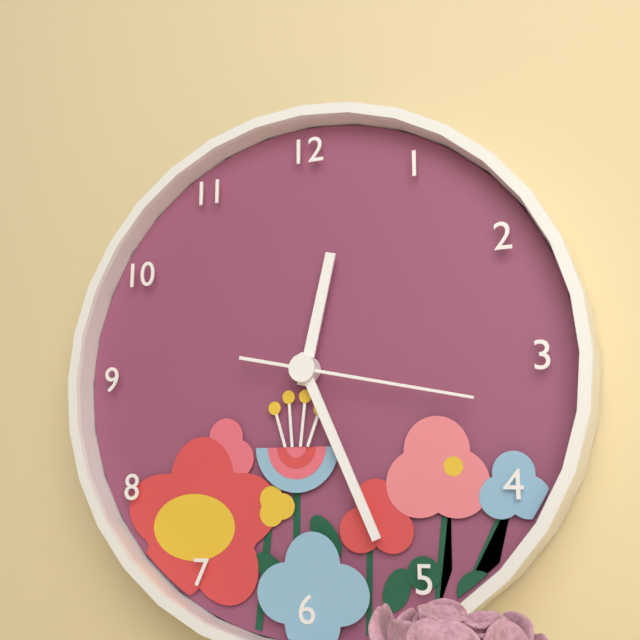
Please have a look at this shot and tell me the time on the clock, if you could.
12:26:17
